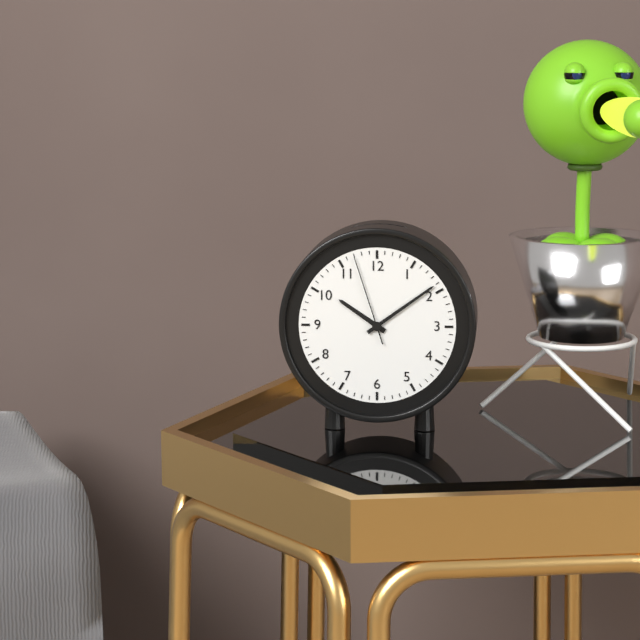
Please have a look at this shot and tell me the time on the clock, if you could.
10:09:57
